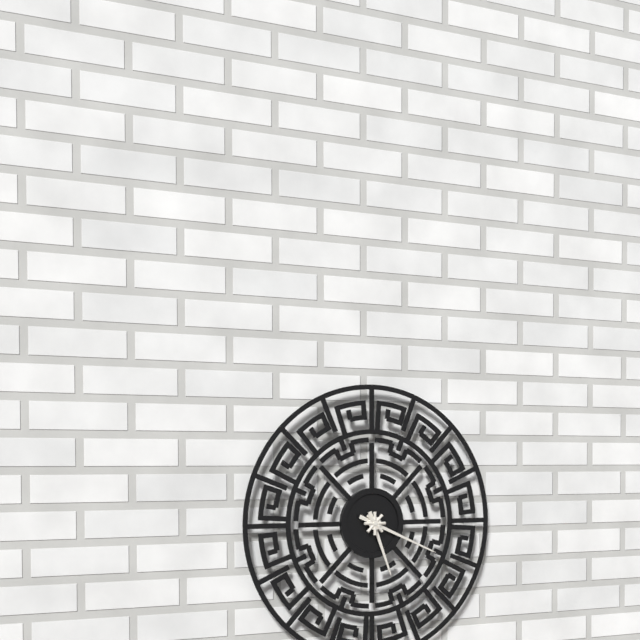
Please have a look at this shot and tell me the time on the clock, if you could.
5:19
